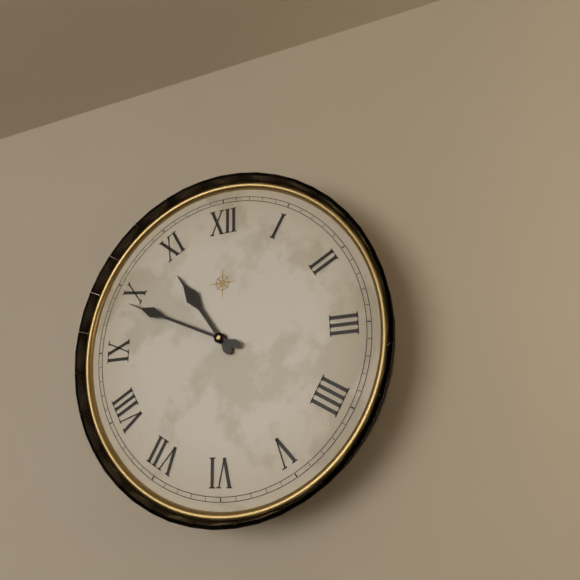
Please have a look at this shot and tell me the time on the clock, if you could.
10:49
